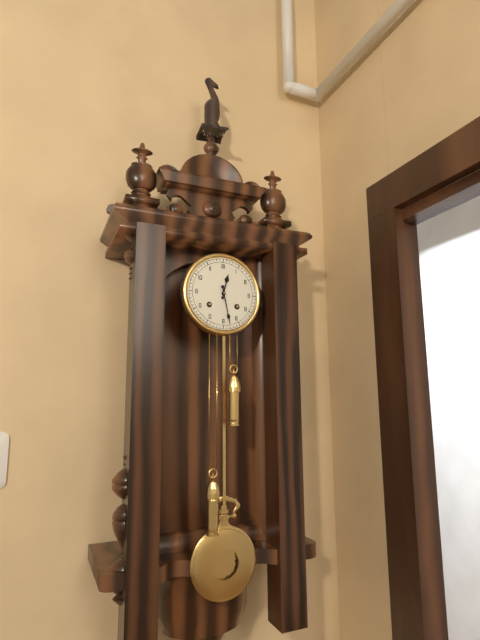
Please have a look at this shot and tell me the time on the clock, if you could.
12:28
